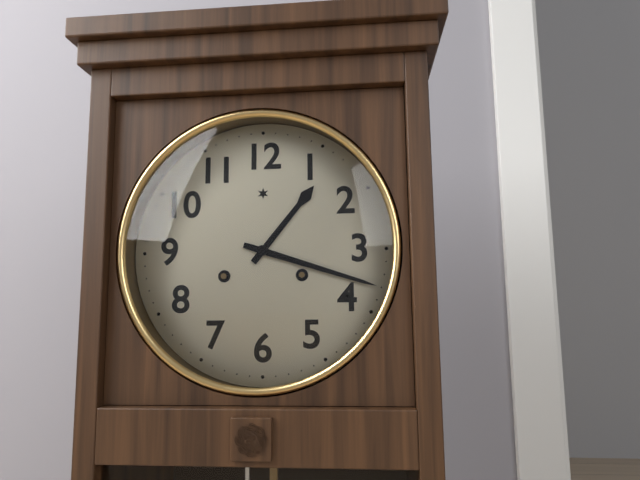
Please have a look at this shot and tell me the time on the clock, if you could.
1:18
